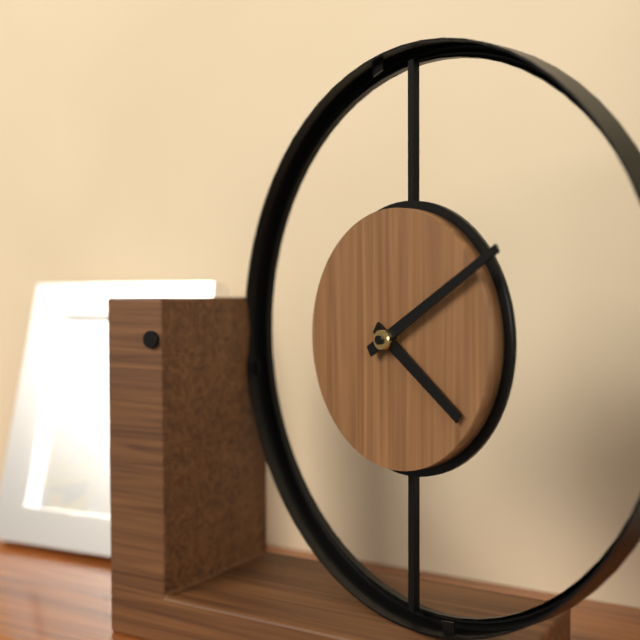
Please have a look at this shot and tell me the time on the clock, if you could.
4:10
